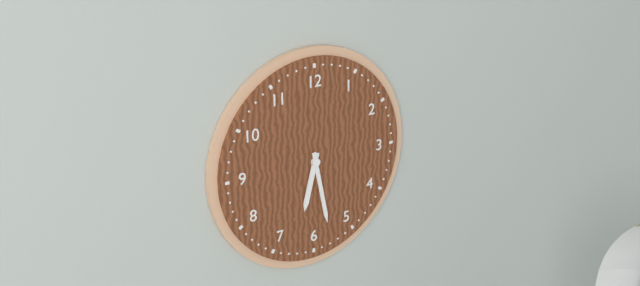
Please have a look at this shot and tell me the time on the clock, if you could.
6:28
